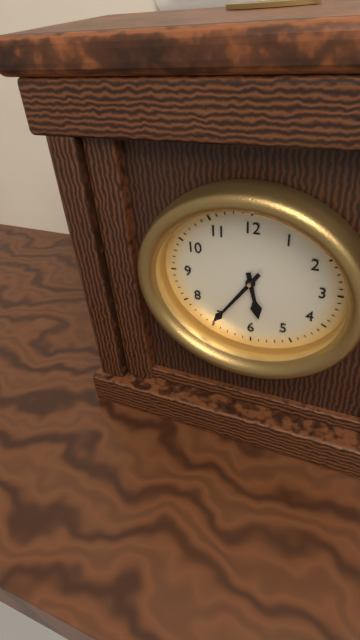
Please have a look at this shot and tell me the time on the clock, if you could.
5:36
